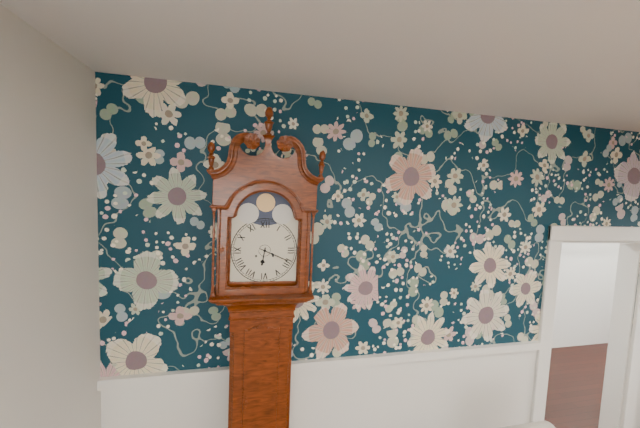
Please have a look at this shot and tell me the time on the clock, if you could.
6:19
